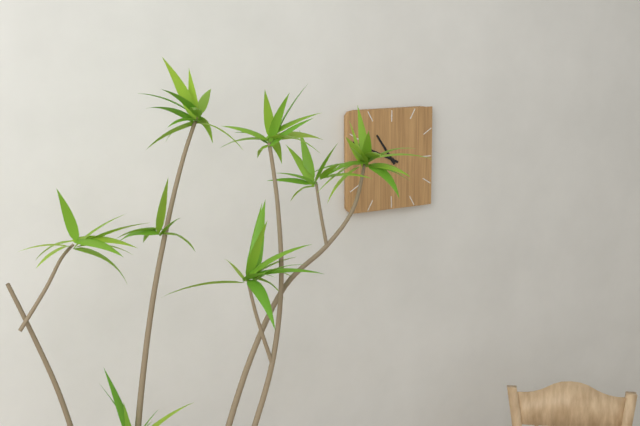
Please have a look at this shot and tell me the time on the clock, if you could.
10:49
